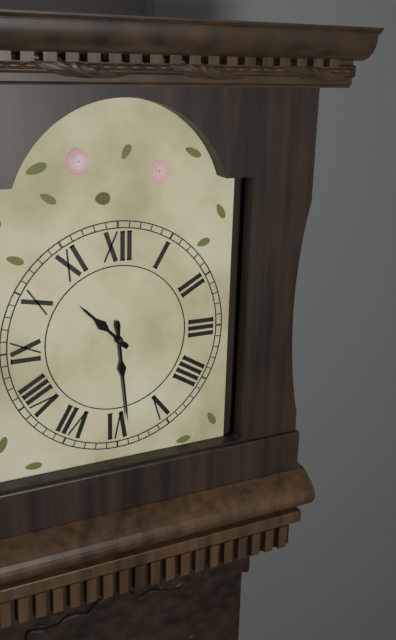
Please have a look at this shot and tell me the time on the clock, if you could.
10:29
